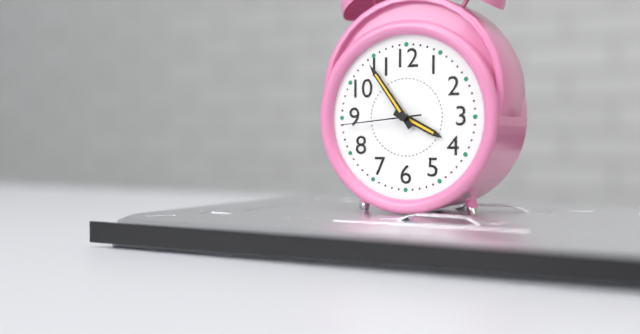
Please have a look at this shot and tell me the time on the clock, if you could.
3:54:44
